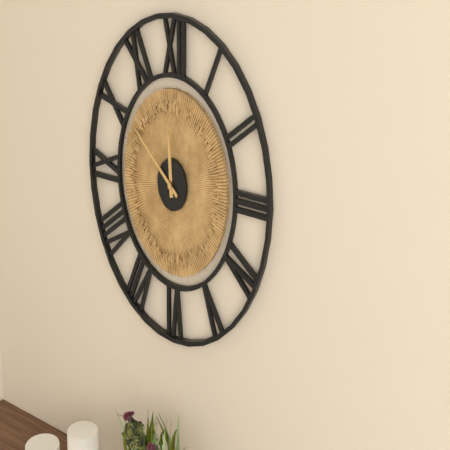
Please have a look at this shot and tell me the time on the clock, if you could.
11:51
